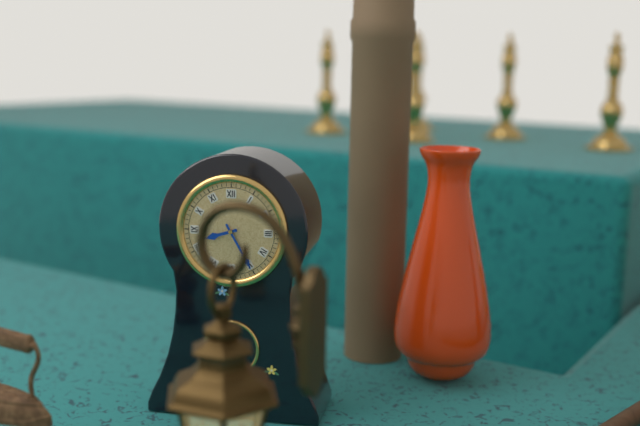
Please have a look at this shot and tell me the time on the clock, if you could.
8:25
